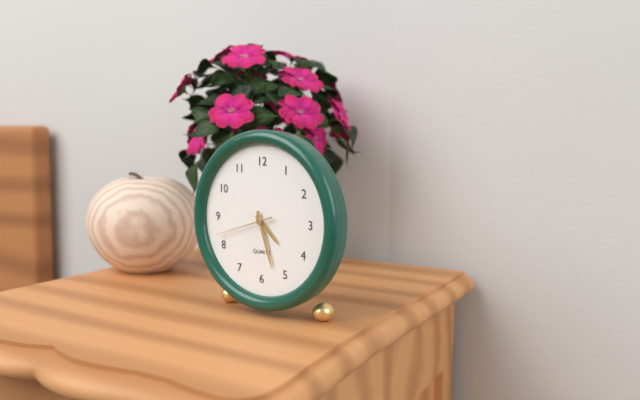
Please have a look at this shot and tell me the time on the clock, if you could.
4:27:42
